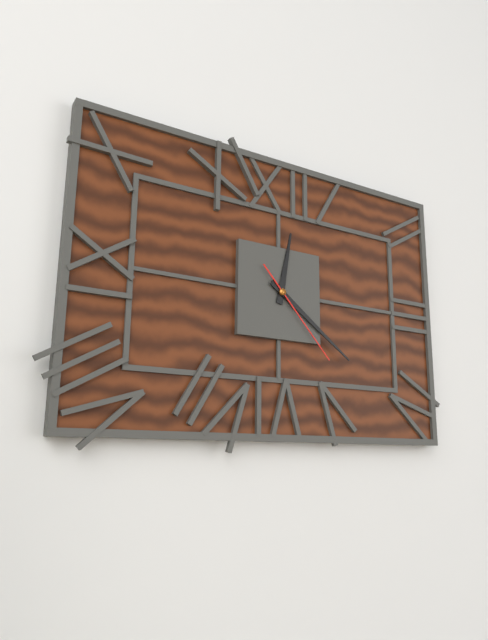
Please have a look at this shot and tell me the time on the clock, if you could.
12:21:23
